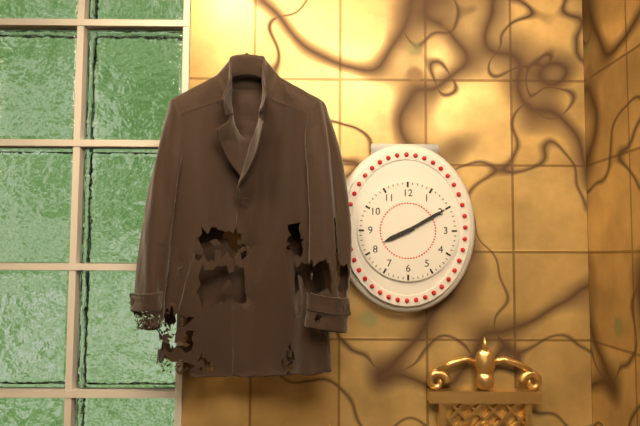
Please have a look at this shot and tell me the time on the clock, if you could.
8:10
